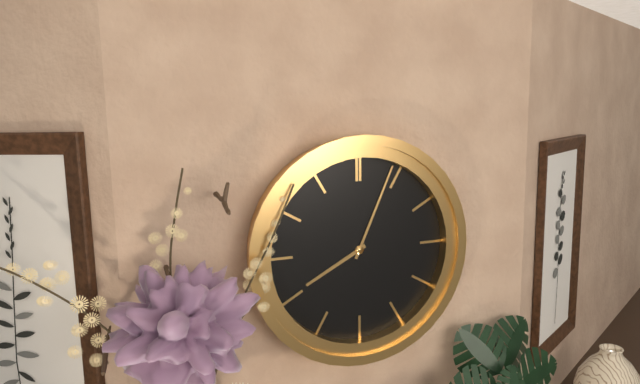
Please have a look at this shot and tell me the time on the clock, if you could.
8:04
